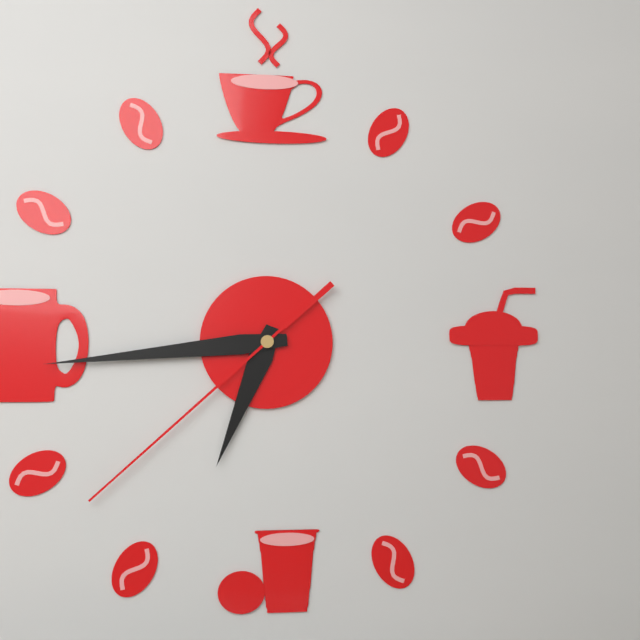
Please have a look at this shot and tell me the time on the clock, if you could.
6:44:38
